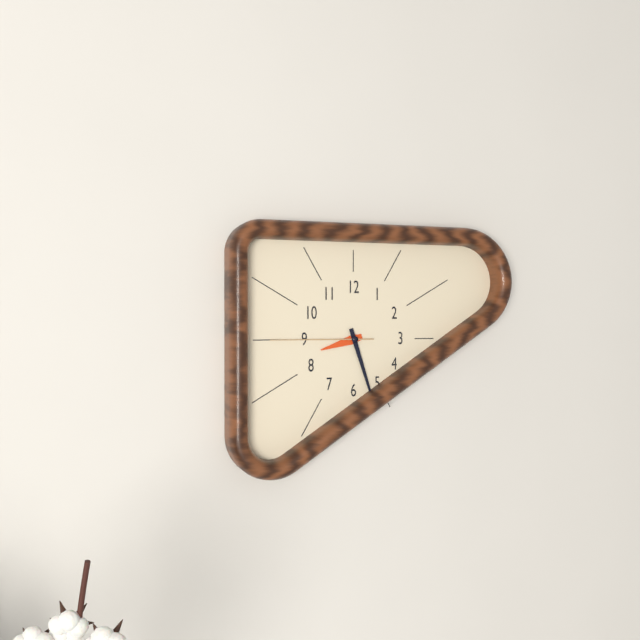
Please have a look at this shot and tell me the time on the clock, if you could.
8:27:45
